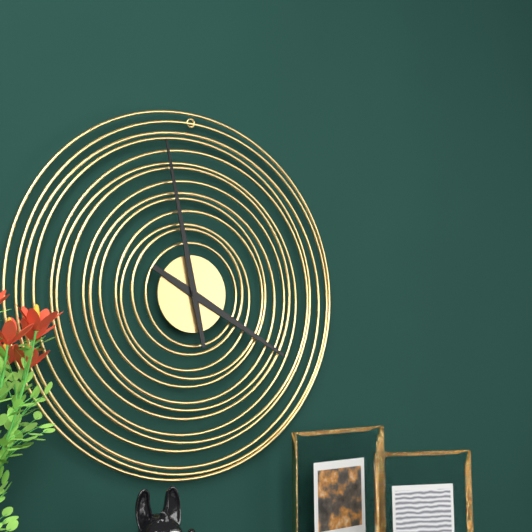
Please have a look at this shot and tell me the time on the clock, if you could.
3:58
